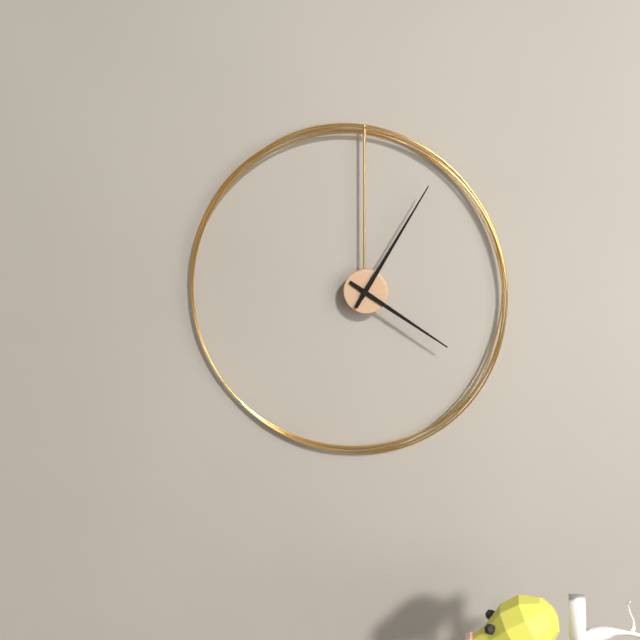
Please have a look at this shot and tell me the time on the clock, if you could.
4:05
